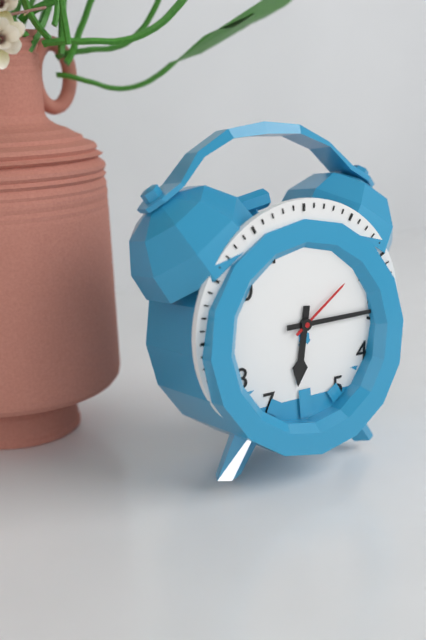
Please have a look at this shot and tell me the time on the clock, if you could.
6:15:09
